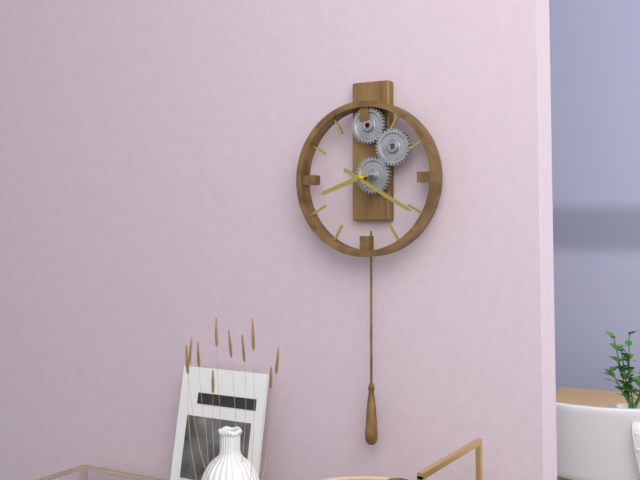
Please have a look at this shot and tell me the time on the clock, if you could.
8:20
